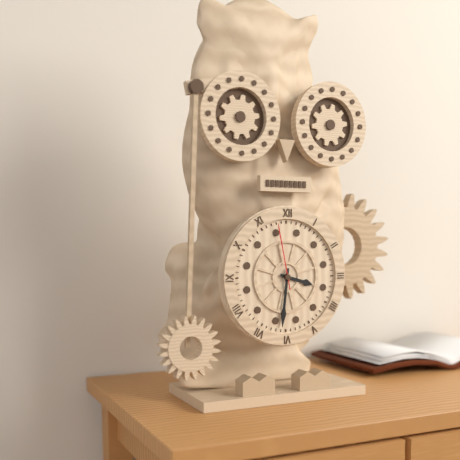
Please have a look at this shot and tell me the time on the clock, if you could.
3:31:58
